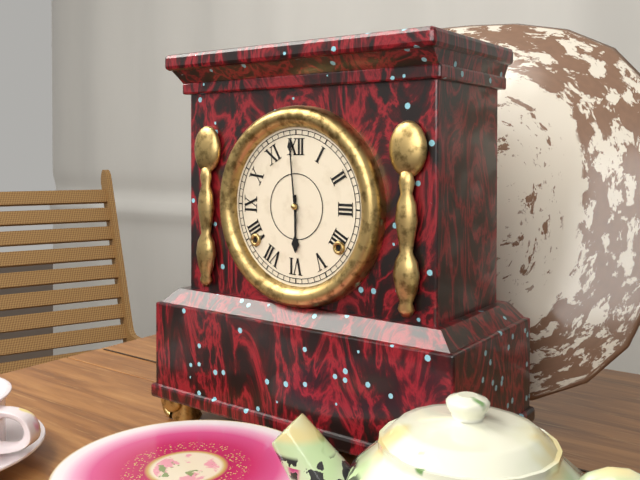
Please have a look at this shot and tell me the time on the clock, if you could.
5:59
